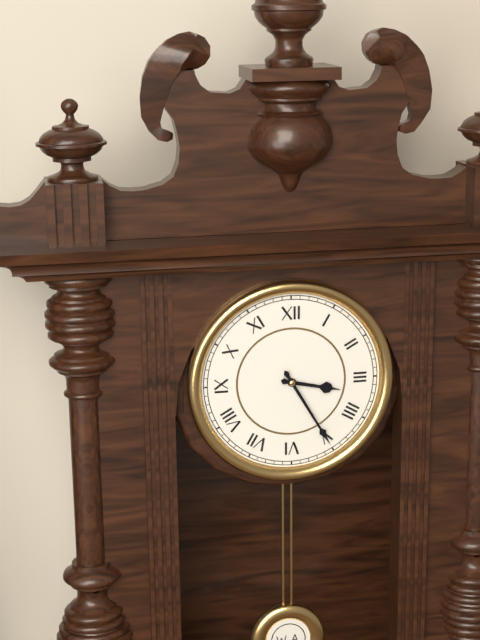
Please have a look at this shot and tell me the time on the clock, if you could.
3:25
